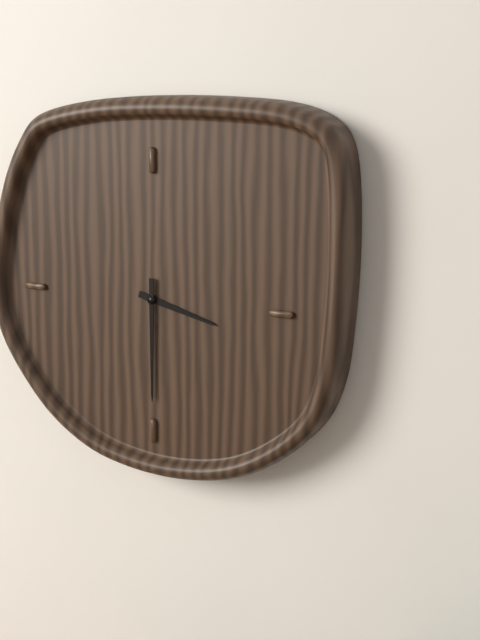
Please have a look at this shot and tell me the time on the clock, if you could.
3:30
